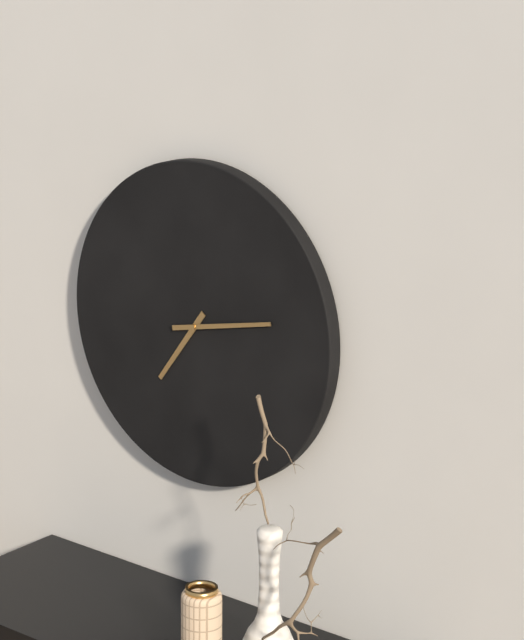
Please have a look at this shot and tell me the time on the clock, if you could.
7:13
